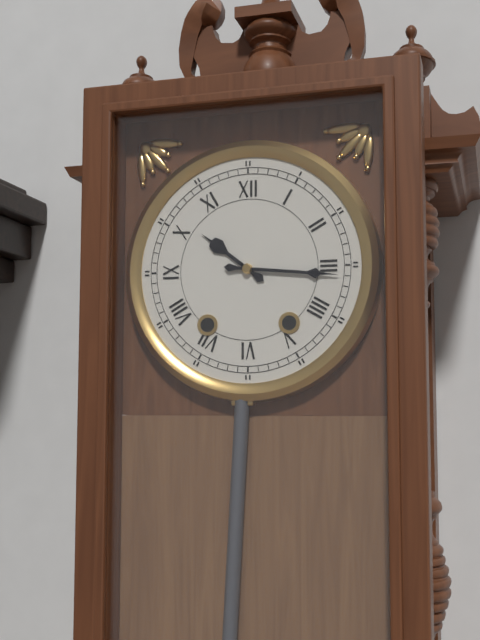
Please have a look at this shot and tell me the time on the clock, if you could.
10:16
